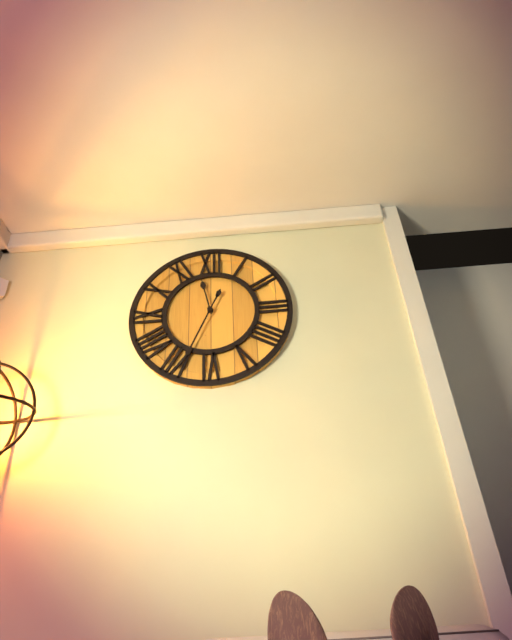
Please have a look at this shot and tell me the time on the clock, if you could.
11:34
